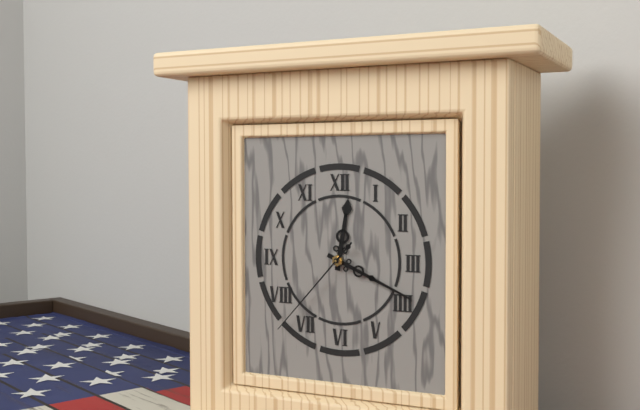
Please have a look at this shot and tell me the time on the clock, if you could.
12:19:37
